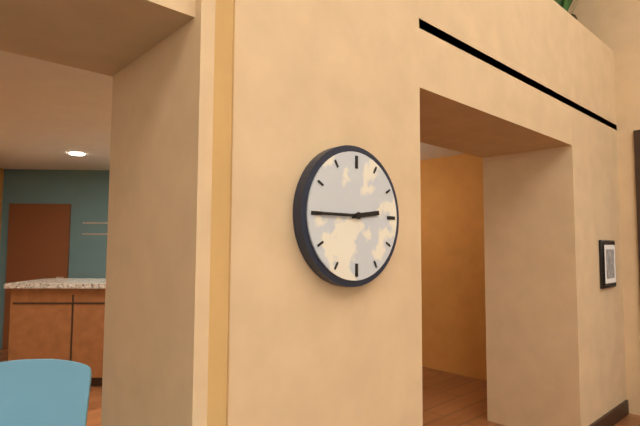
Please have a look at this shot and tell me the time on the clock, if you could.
2:45
